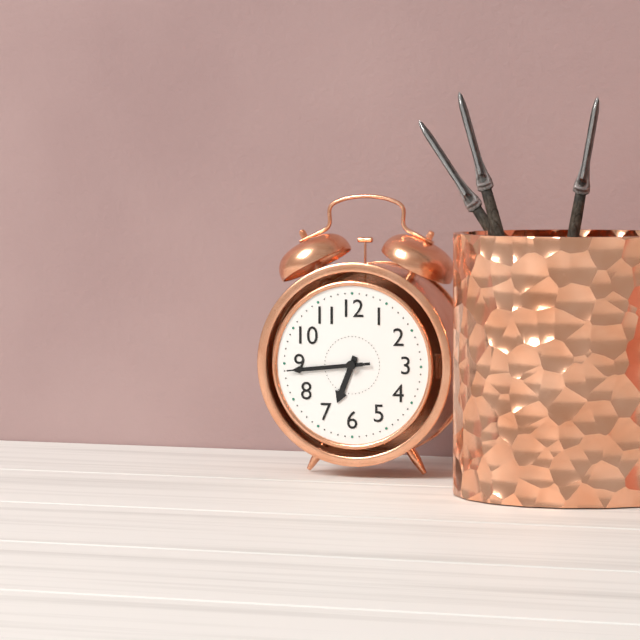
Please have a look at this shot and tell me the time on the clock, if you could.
6:44:44
